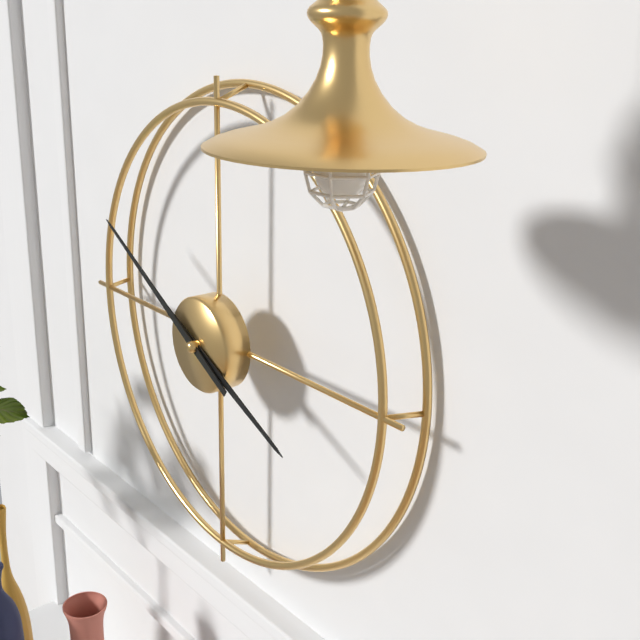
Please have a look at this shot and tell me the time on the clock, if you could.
3:50
